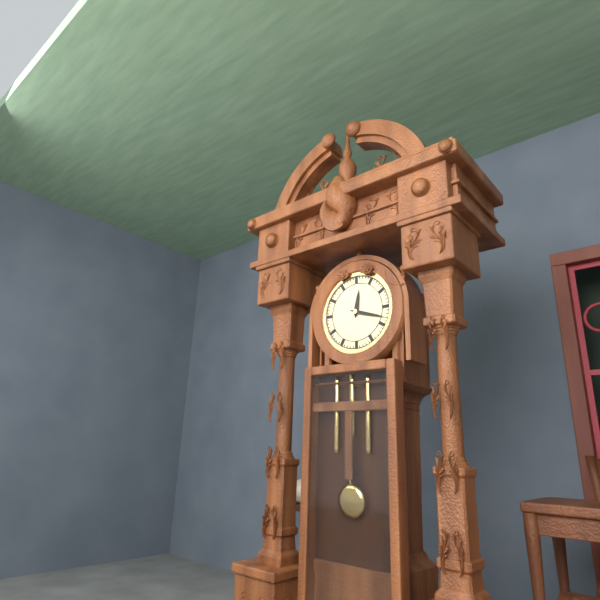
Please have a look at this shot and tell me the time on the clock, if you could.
12:18
